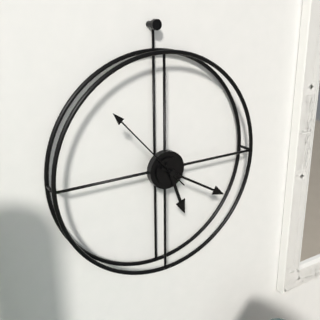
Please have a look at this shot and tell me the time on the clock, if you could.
5:20:53
